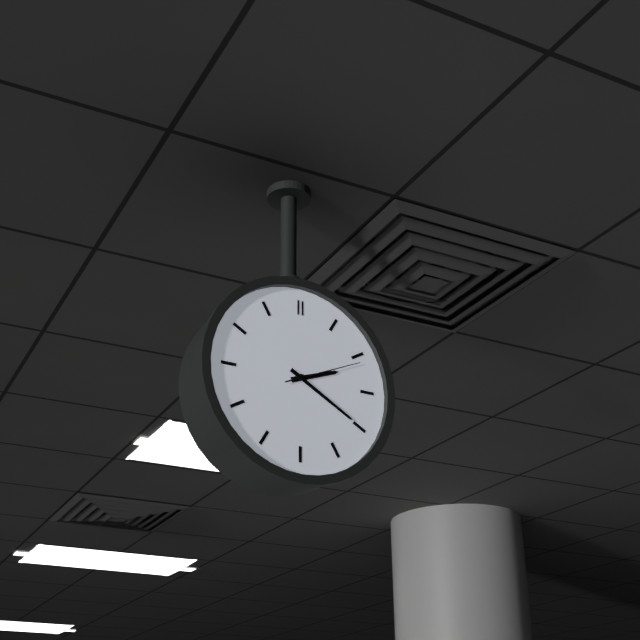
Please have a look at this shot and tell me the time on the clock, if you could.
2:20:11
